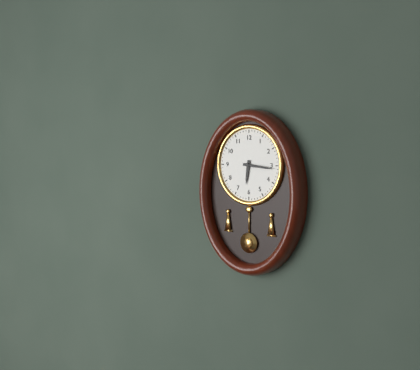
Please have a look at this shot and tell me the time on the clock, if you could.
6:16
